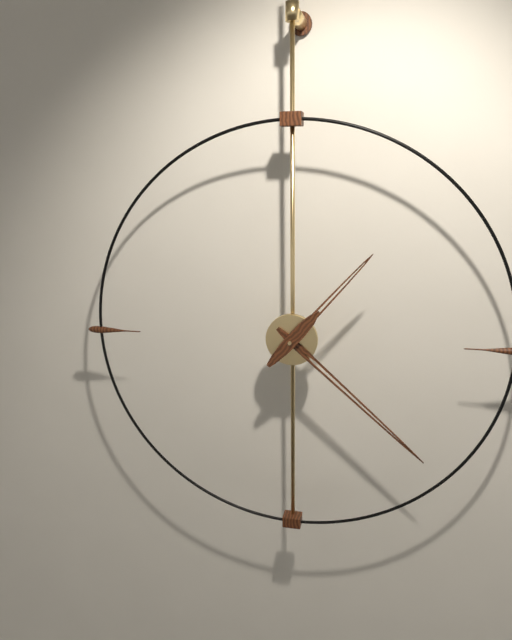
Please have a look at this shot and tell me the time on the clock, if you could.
1:22
